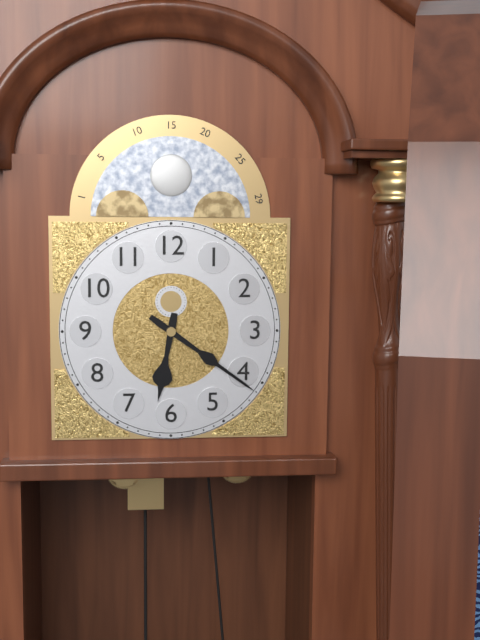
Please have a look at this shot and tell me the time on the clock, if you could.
6:21
